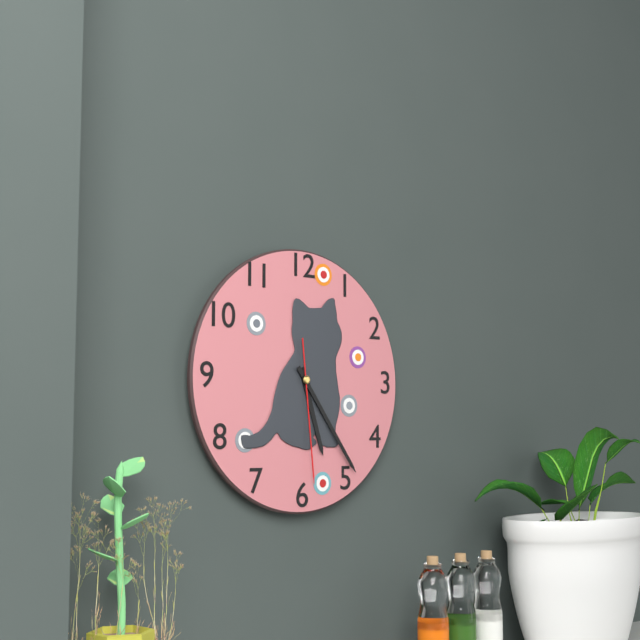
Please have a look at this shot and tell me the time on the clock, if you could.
5:24:29
